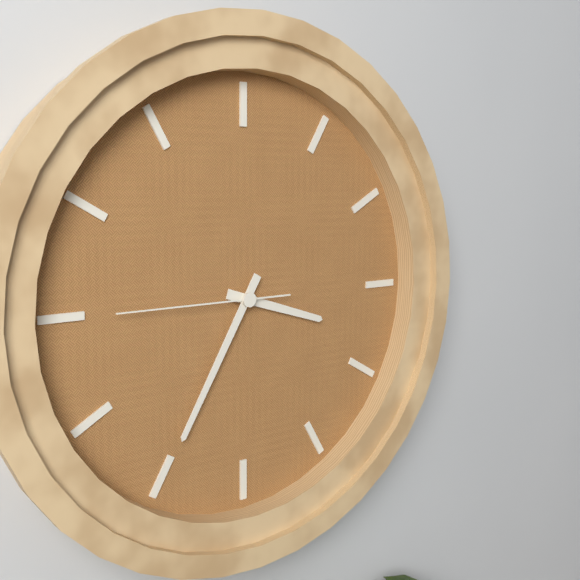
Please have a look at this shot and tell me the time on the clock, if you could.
3:35:45
